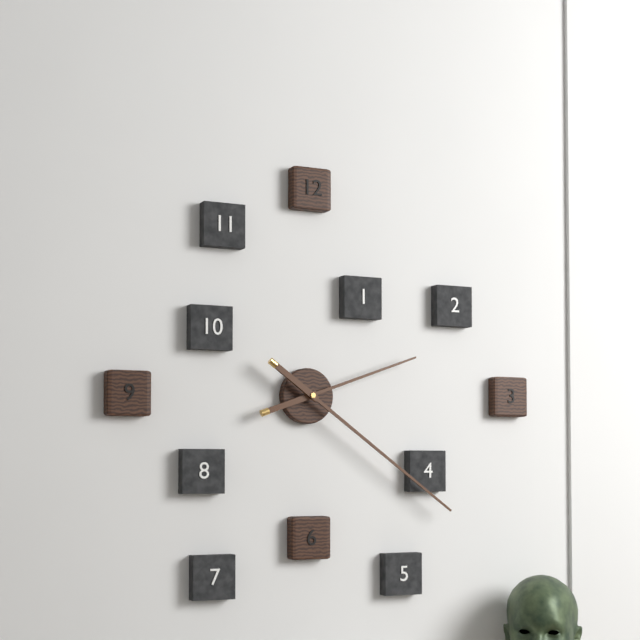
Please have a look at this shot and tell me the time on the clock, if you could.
2:21
